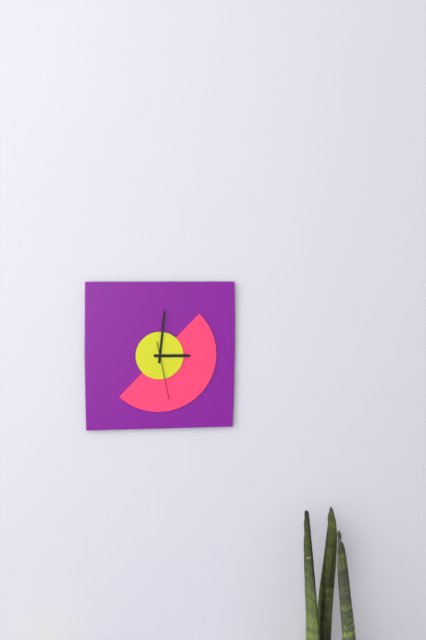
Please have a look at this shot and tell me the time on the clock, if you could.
3:01:28
